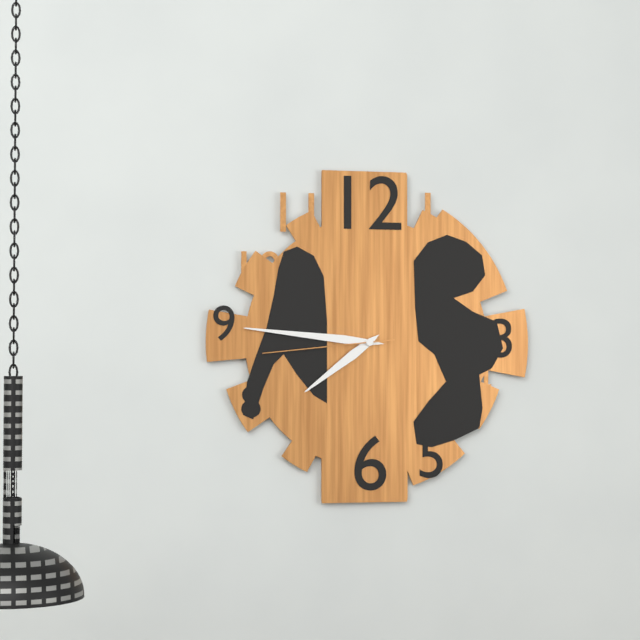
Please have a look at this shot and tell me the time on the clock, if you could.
7:46:44
